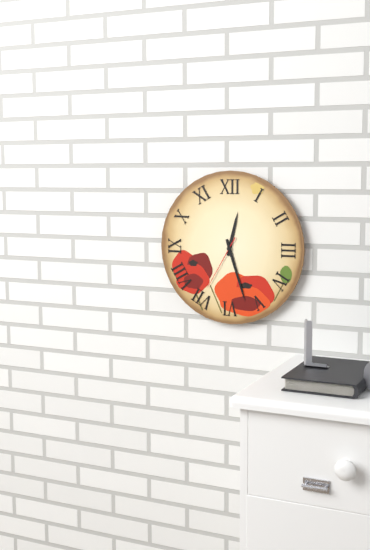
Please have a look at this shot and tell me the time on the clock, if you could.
12:27:35
